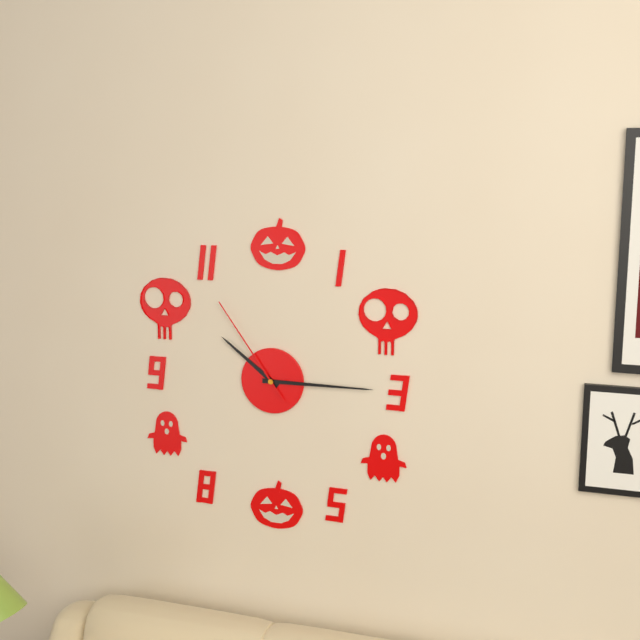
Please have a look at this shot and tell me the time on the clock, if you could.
10:15:54
